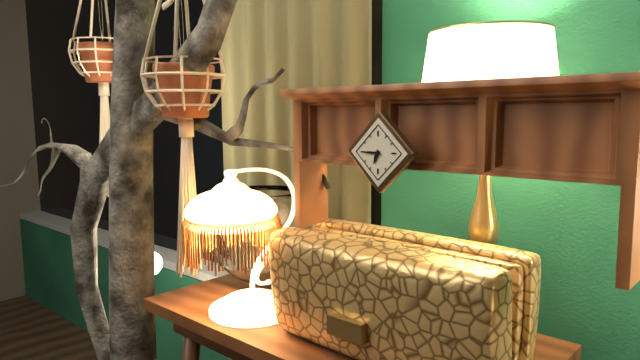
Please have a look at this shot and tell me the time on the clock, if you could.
6:45
